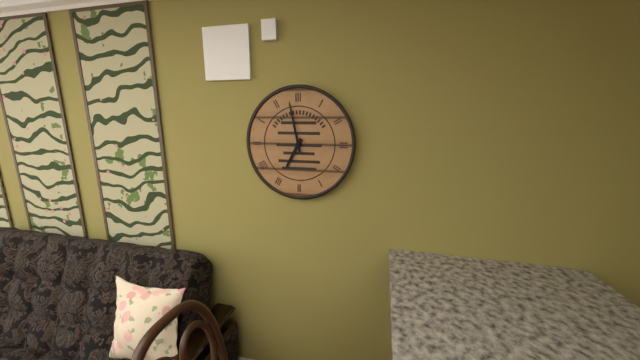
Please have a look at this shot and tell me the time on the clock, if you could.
6:58
